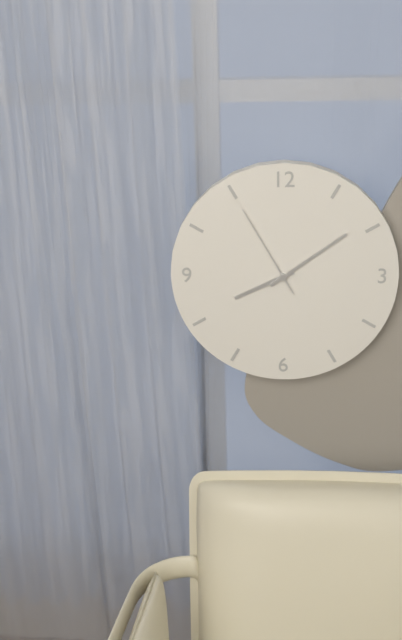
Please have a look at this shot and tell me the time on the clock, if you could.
8:09:55
